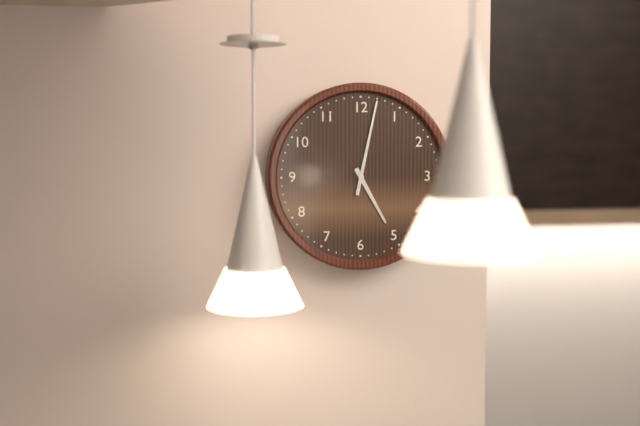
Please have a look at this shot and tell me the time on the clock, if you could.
5:02
